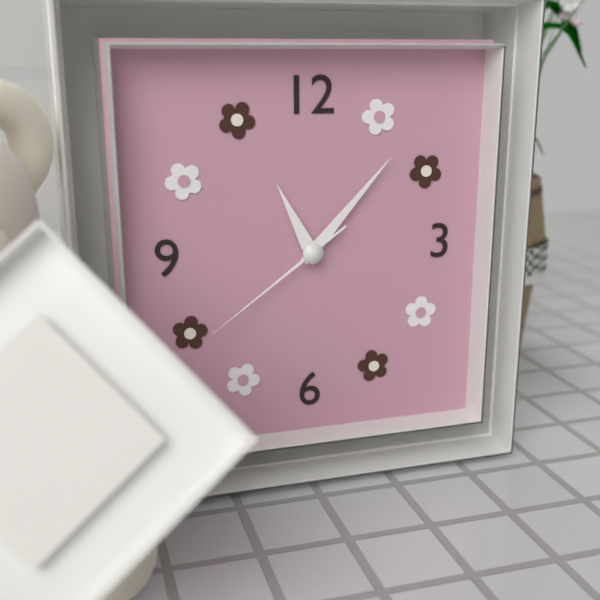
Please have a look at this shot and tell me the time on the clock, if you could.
11:07:39
